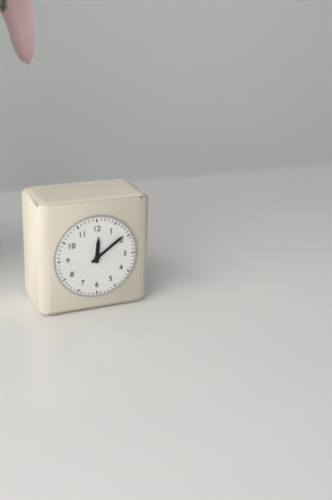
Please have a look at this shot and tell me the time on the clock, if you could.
12:09
